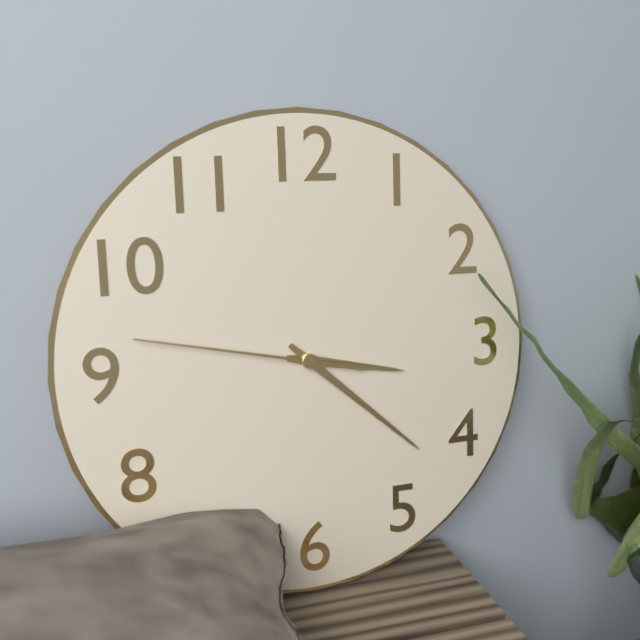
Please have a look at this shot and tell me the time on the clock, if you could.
3:22:47
